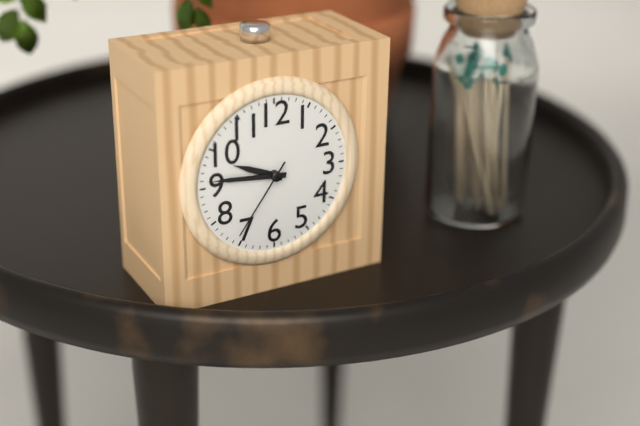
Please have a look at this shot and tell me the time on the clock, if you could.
9:46:36
